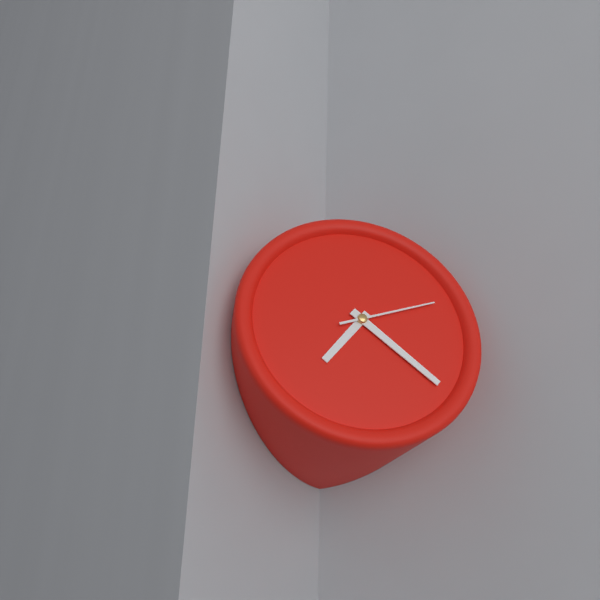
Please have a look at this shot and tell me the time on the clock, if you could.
7:22:12
